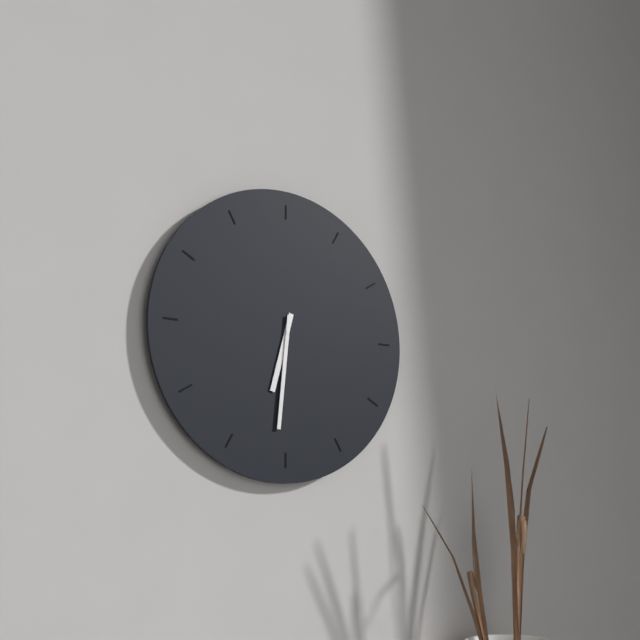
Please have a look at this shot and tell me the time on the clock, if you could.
6:31
